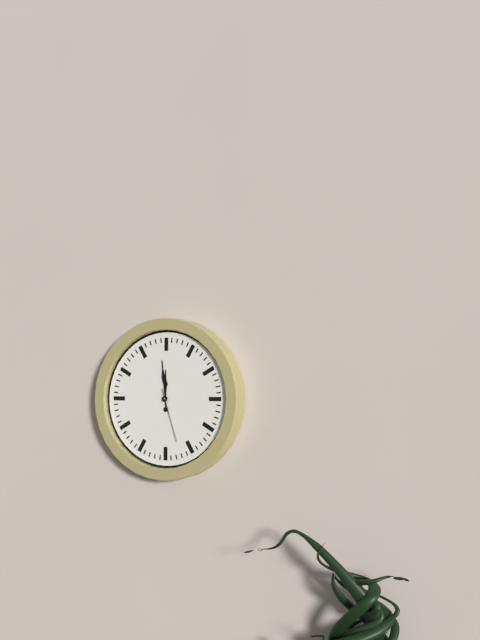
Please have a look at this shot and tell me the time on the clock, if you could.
11:59:27
